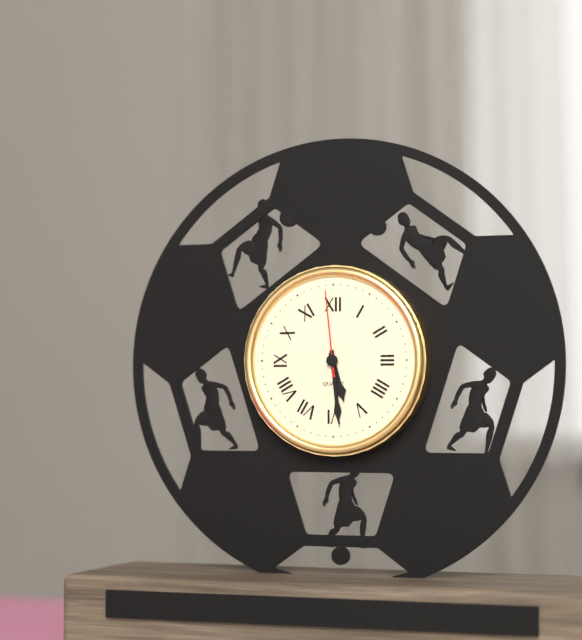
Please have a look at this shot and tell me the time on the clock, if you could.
5:29:59
